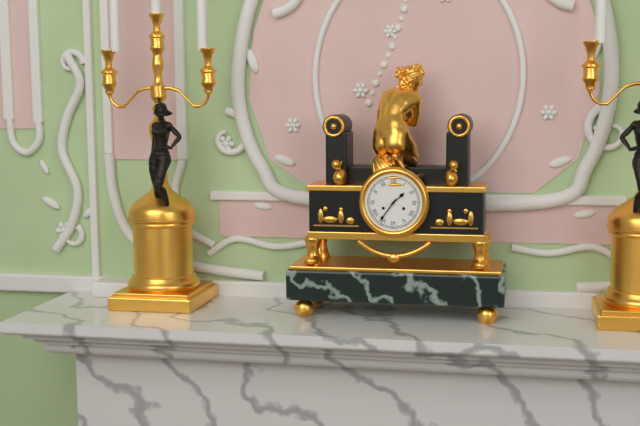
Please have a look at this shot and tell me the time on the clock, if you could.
1:36
